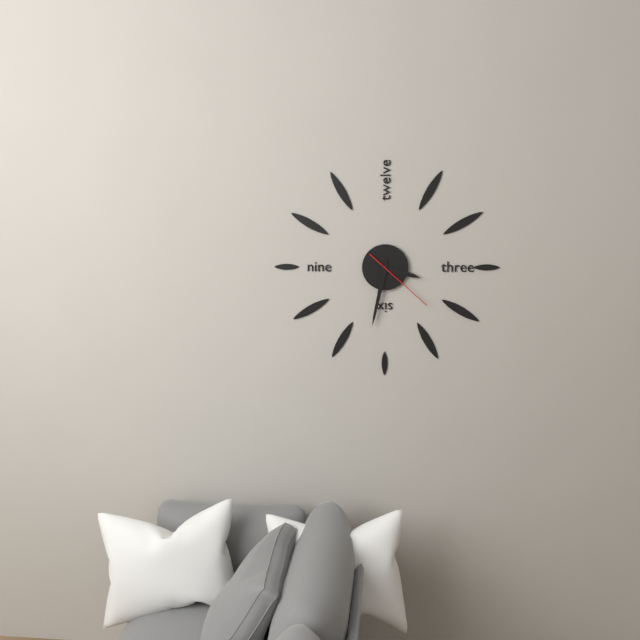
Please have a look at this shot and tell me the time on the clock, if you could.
3:32:22
